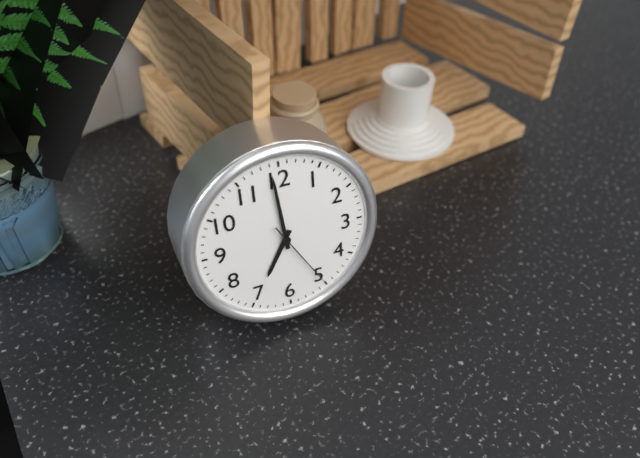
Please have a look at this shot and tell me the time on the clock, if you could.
6:59:25
